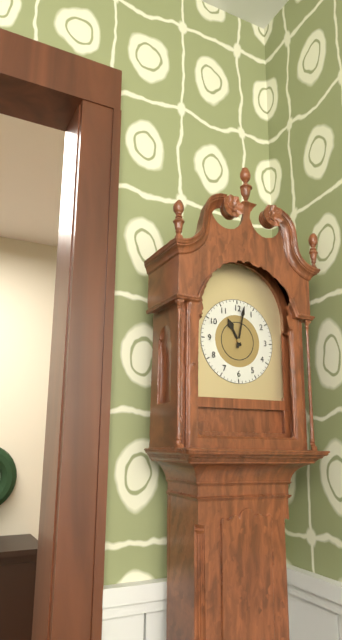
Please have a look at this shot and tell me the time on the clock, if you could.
11:02
